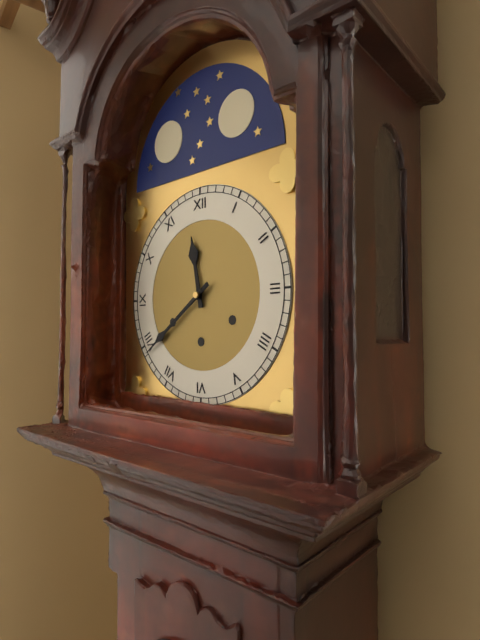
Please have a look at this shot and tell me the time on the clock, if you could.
11:39
